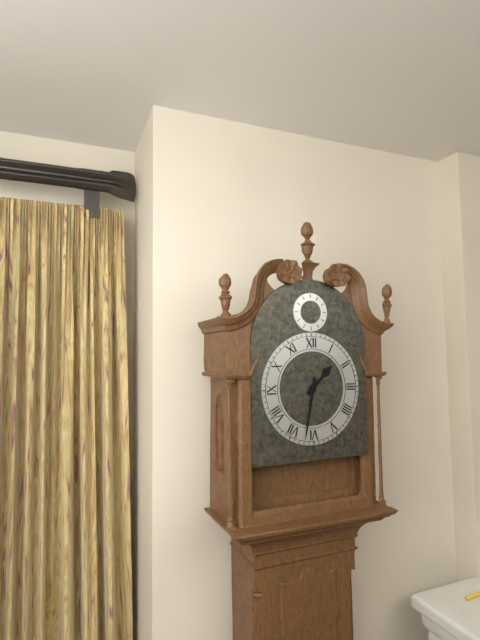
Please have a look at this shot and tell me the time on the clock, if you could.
1:32
